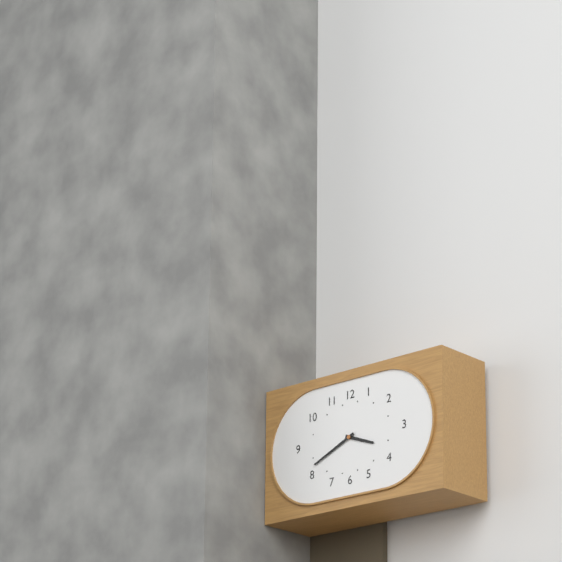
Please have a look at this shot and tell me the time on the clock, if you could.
3:41
